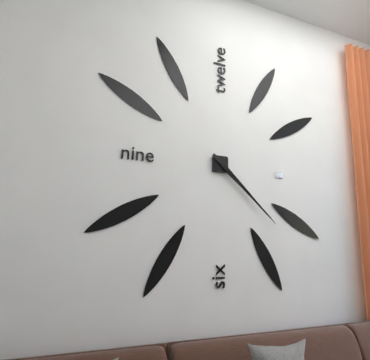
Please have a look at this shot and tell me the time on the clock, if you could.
4:22
